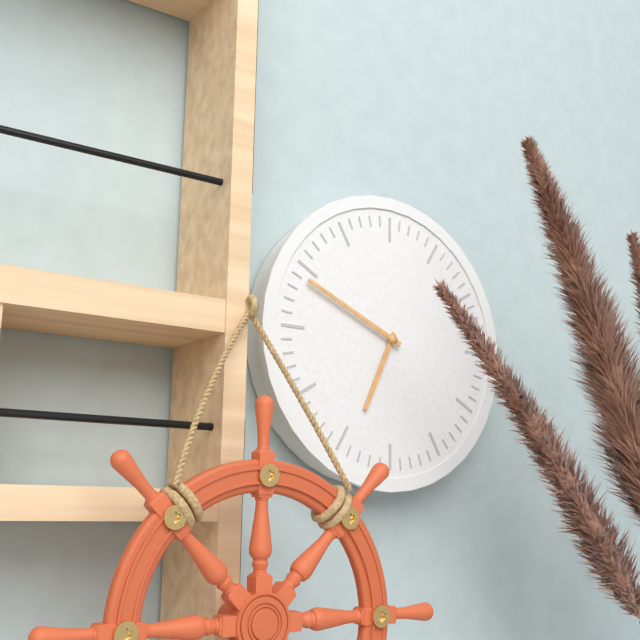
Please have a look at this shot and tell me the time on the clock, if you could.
6:49
